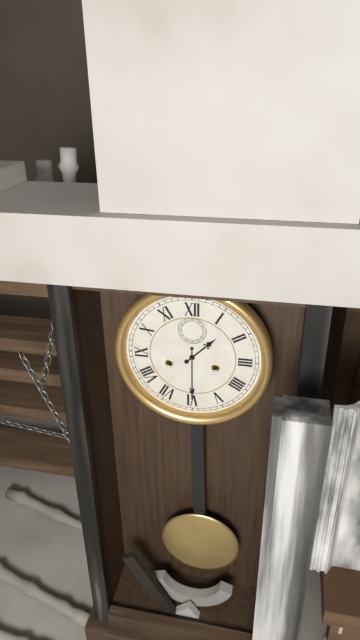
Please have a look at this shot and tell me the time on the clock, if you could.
1:30
